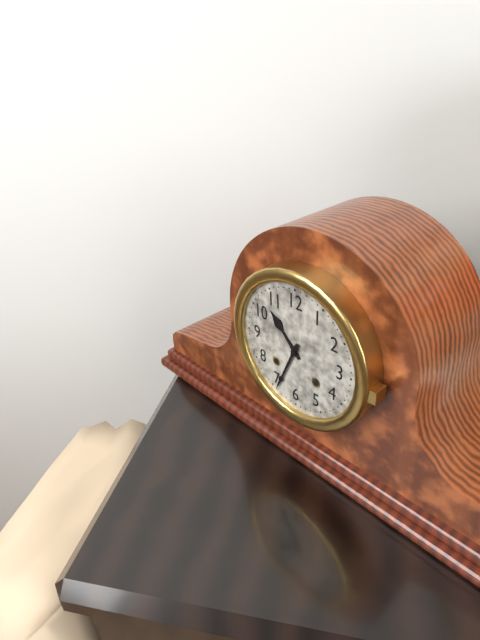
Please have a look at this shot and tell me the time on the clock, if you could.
10:34
